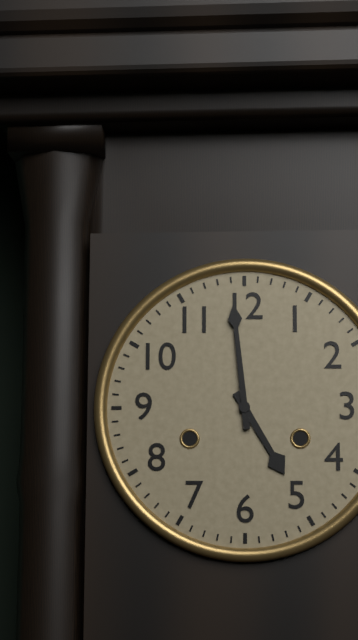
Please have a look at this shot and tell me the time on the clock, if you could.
4:59
